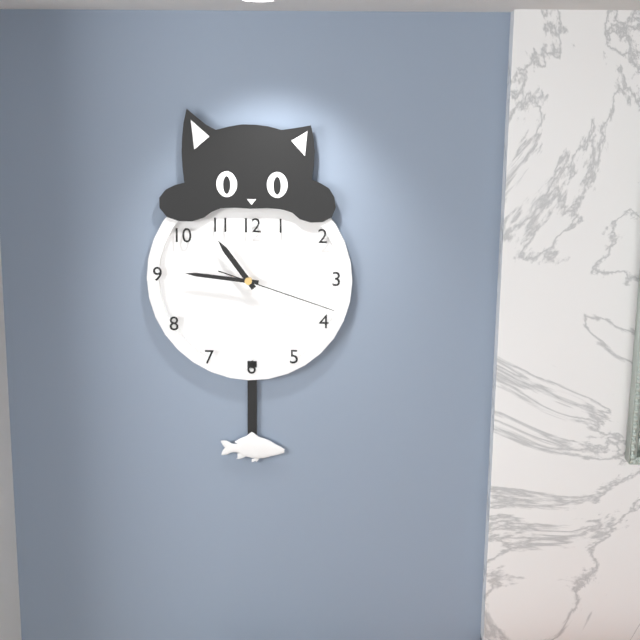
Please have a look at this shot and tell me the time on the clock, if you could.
10:46:18
